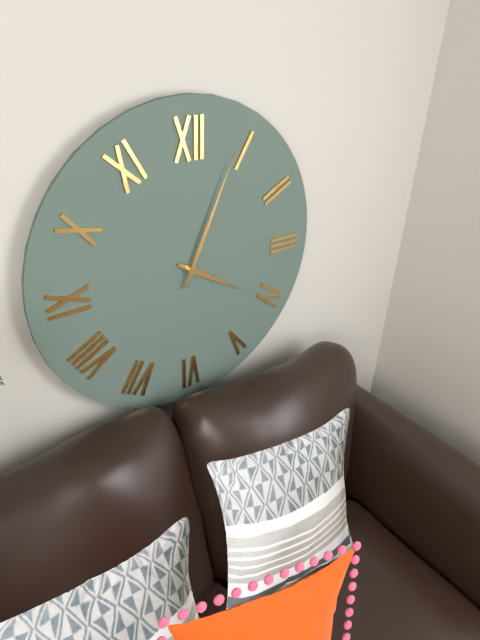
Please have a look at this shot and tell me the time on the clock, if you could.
4:04
